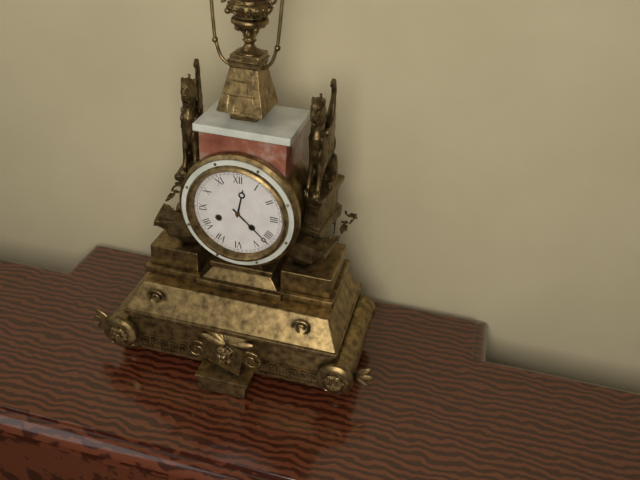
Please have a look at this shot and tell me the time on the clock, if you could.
12:22
